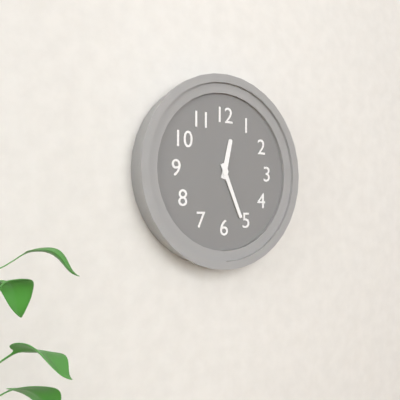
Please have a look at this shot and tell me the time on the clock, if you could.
12:26
